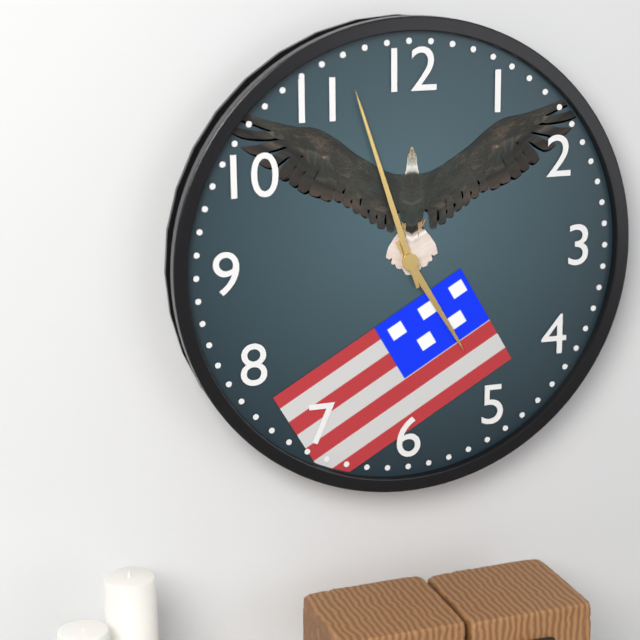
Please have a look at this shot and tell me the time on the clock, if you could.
4:57
